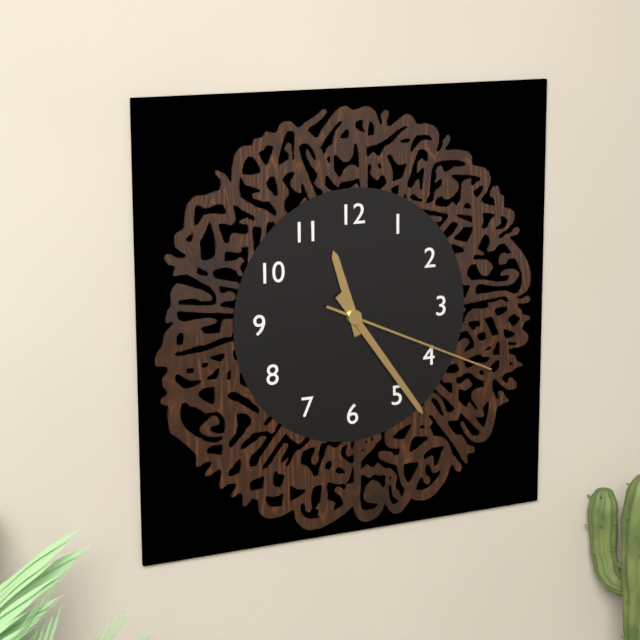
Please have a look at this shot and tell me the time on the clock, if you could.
11:24:19
